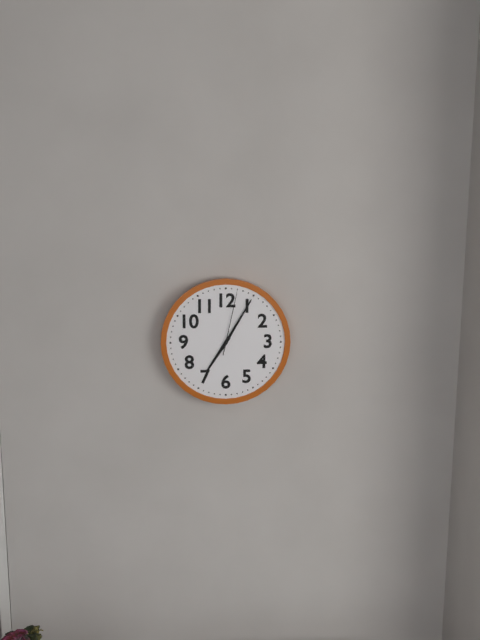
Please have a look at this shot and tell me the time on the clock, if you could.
7:05:02
